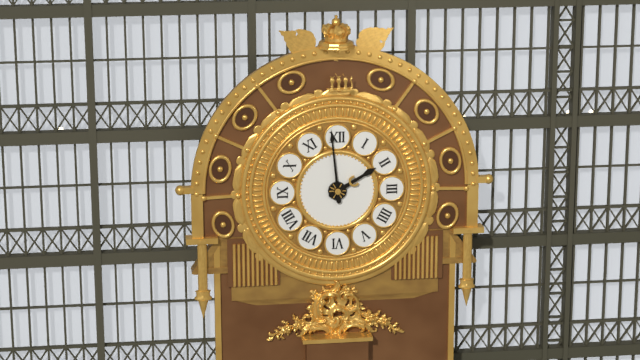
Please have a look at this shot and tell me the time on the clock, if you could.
1:59
